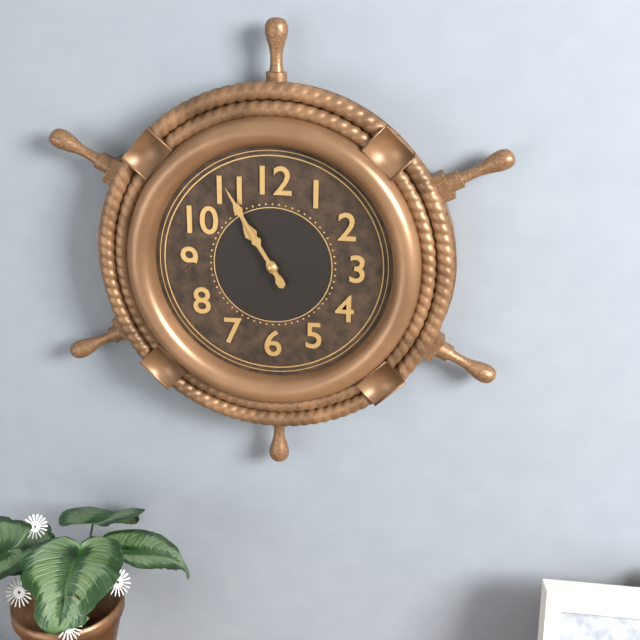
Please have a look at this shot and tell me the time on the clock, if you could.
10:55
